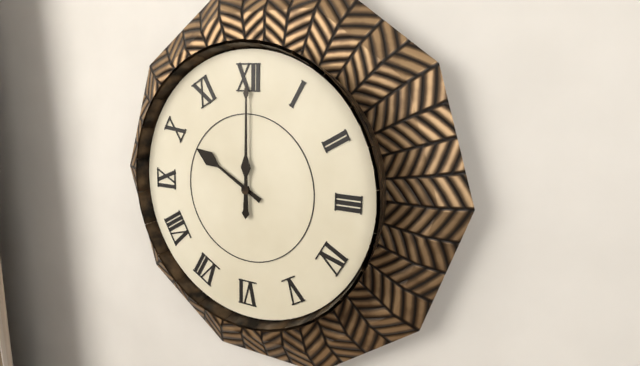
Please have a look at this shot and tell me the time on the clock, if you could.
10:00
